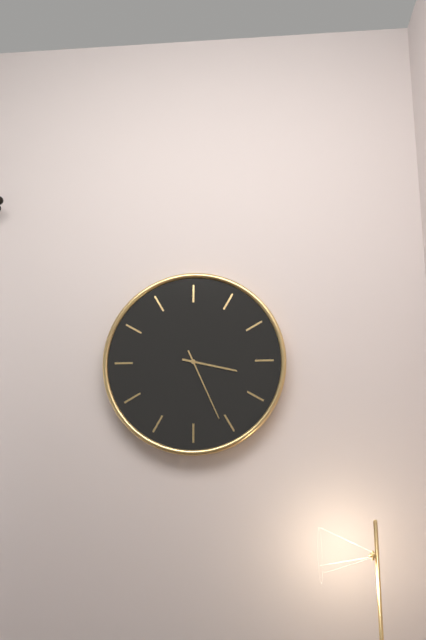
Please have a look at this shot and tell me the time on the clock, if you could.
3:26
